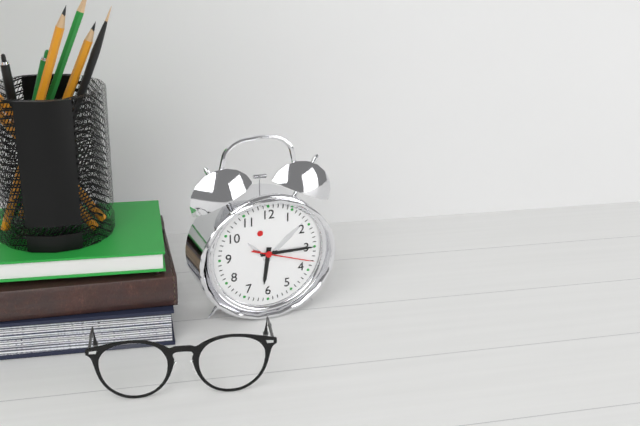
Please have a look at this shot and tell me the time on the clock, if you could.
6:15:18
